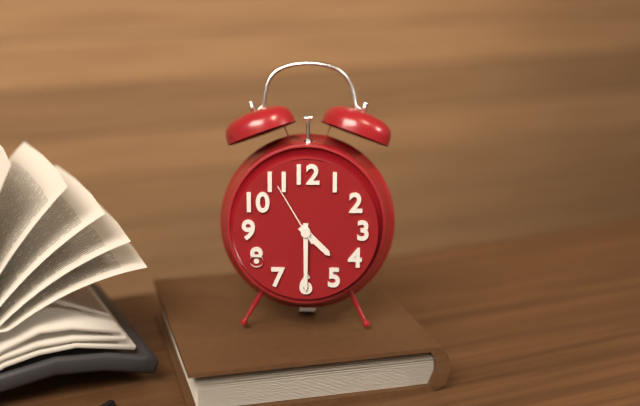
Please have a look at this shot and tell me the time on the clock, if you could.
4:30:55
